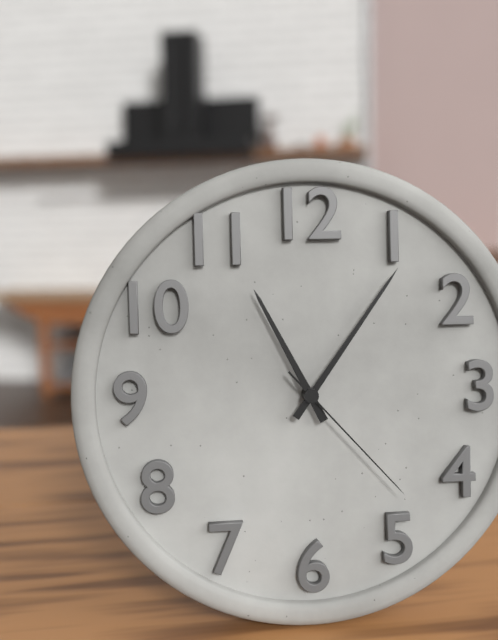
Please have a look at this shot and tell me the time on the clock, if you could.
11:06:23
